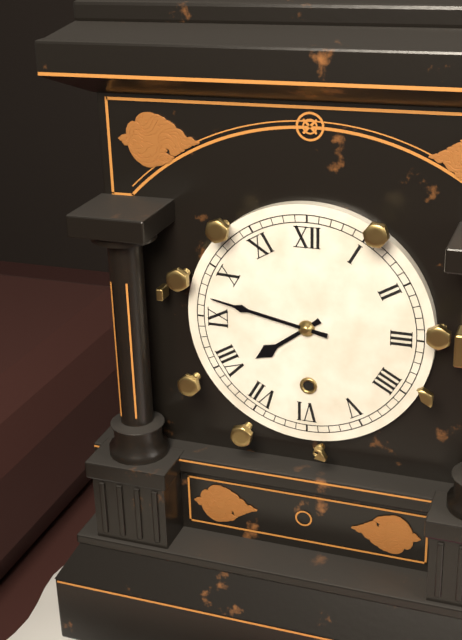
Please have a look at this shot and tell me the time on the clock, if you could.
7:47
